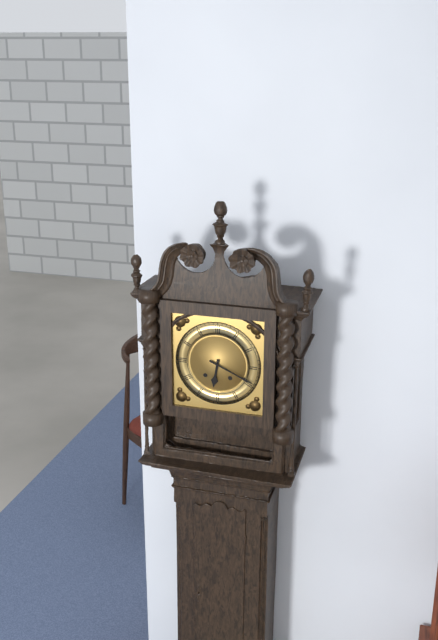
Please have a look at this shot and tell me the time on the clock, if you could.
6:19
